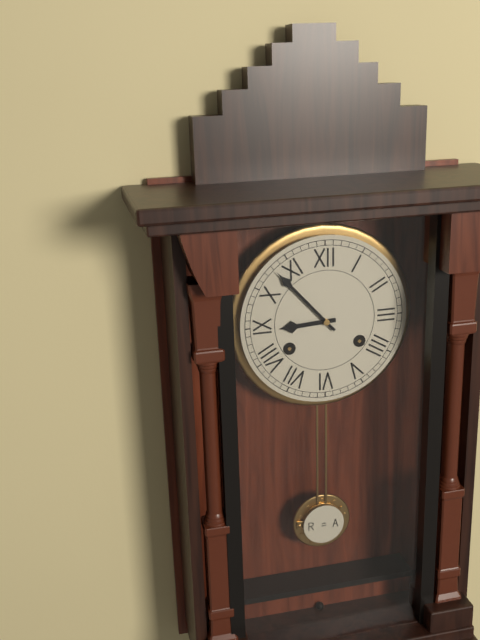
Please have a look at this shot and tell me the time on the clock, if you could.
8:53
